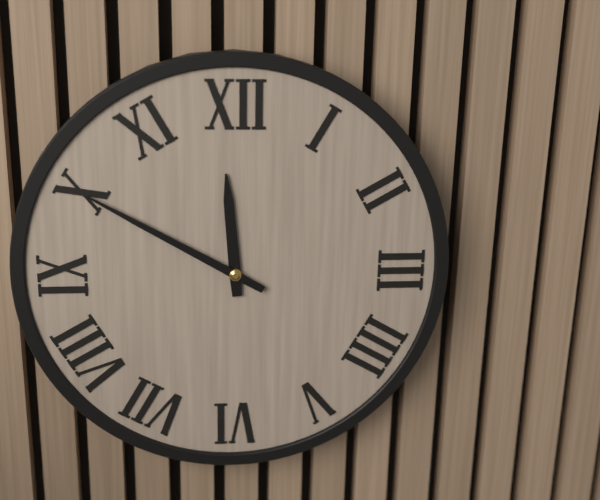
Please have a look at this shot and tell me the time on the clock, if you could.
11:50
